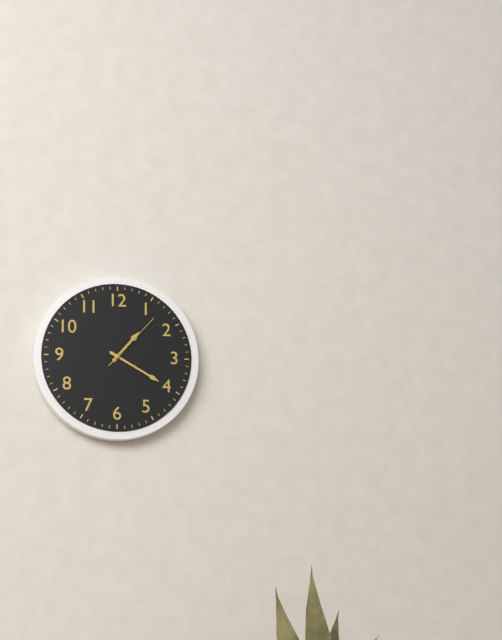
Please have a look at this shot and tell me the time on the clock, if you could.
1:20:07
